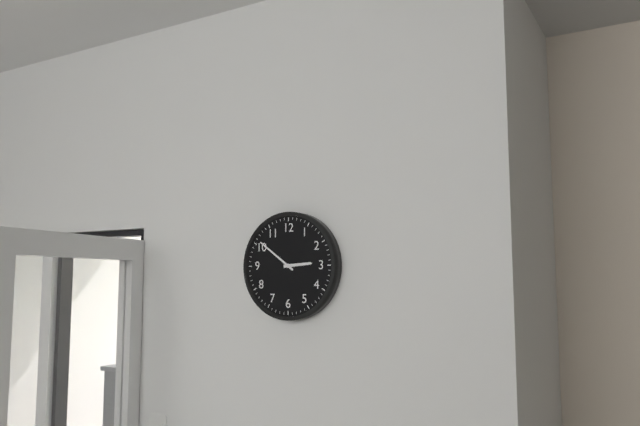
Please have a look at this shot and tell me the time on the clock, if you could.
2:51
